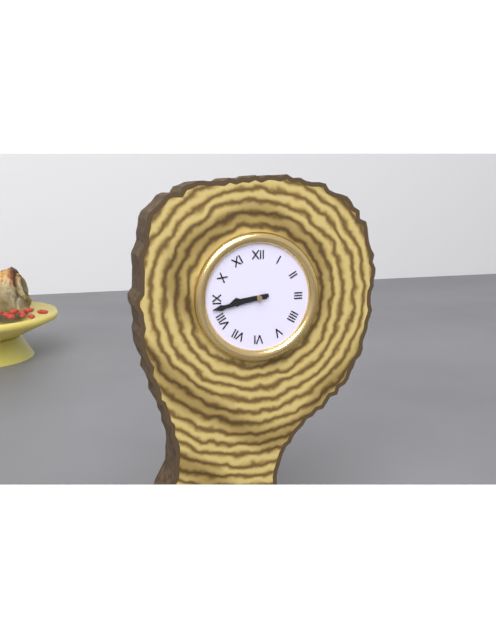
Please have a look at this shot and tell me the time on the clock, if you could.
8:43
